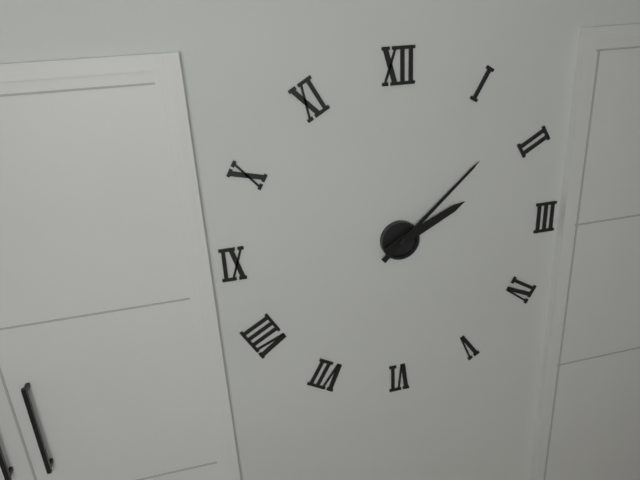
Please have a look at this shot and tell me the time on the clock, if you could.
2:08
